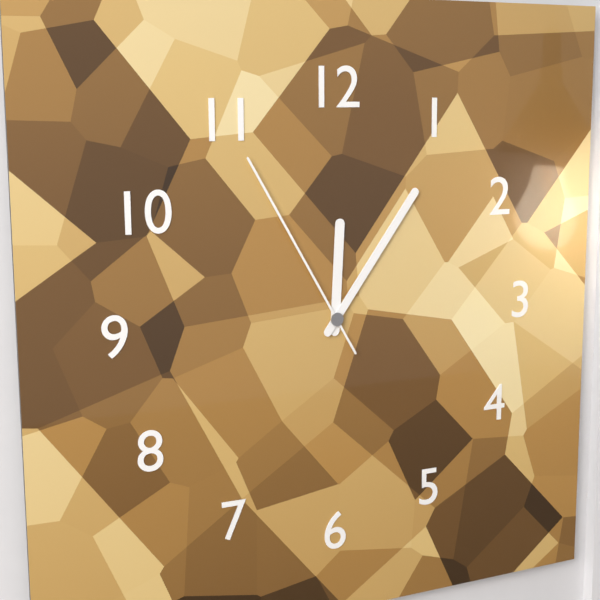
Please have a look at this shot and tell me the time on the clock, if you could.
12:06:55
